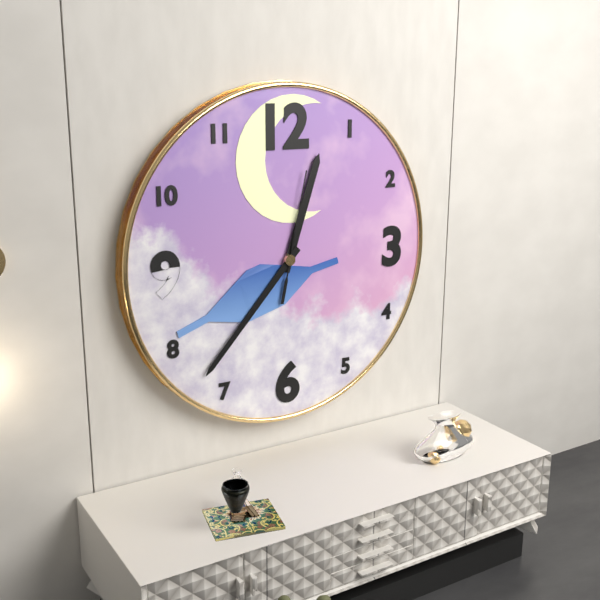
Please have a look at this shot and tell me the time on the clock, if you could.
12:37:02
